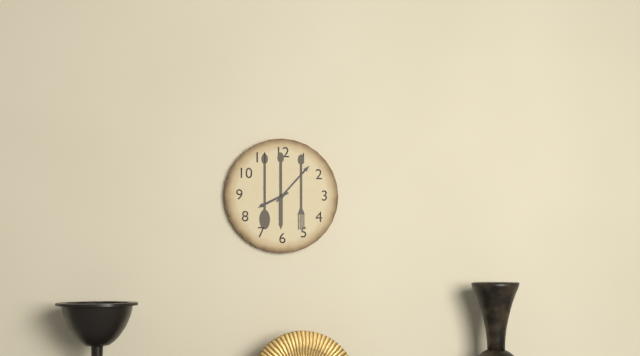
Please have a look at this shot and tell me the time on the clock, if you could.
8:07
